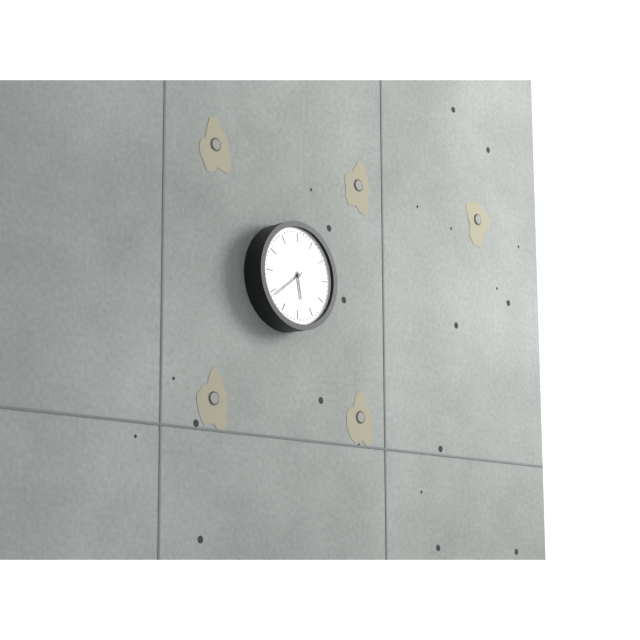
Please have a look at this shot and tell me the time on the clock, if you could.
5:39
